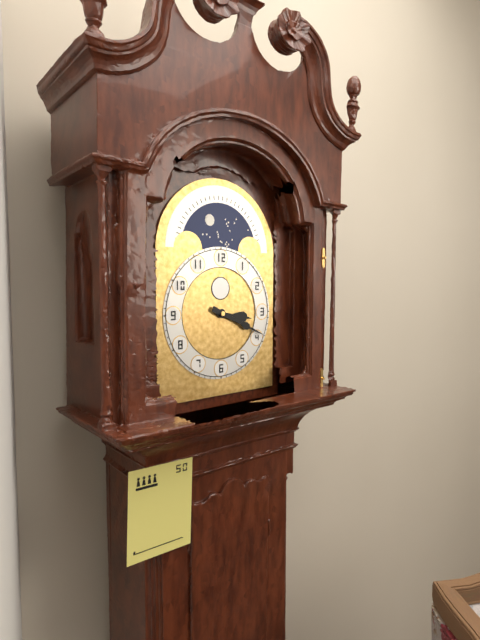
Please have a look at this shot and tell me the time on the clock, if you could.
3:19
